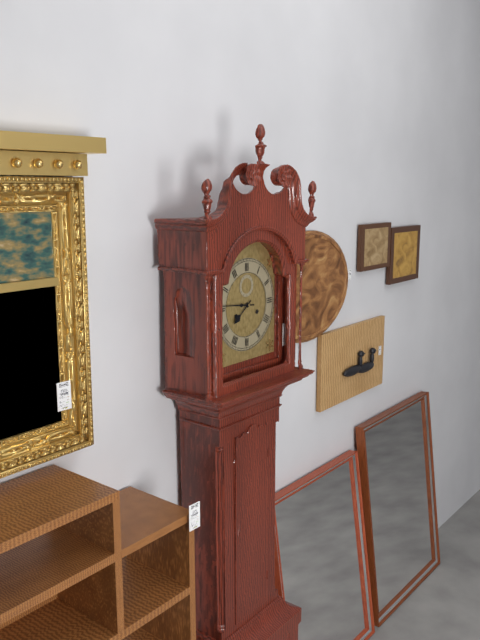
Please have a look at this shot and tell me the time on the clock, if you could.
7:46
